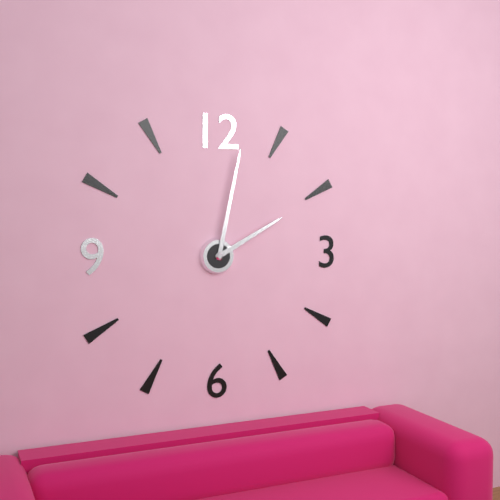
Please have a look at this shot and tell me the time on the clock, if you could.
2:02
